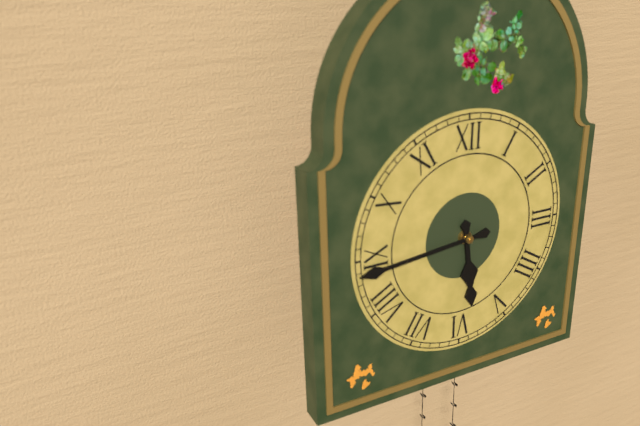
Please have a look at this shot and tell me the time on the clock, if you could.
5:44
